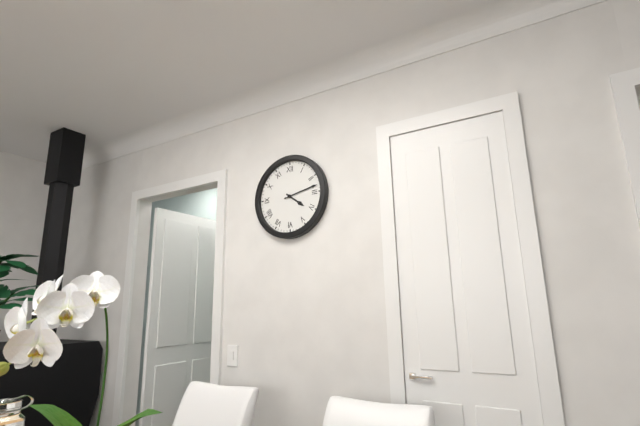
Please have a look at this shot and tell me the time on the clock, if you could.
4:13
